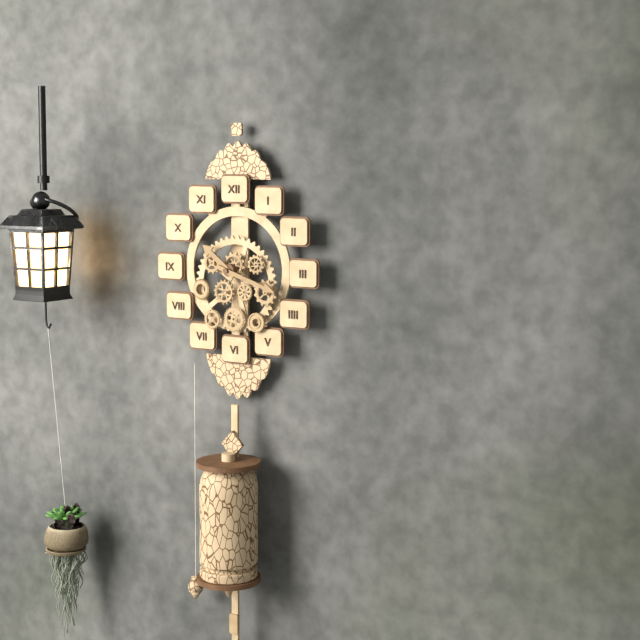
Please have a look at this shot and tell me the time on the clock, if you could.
10:18
